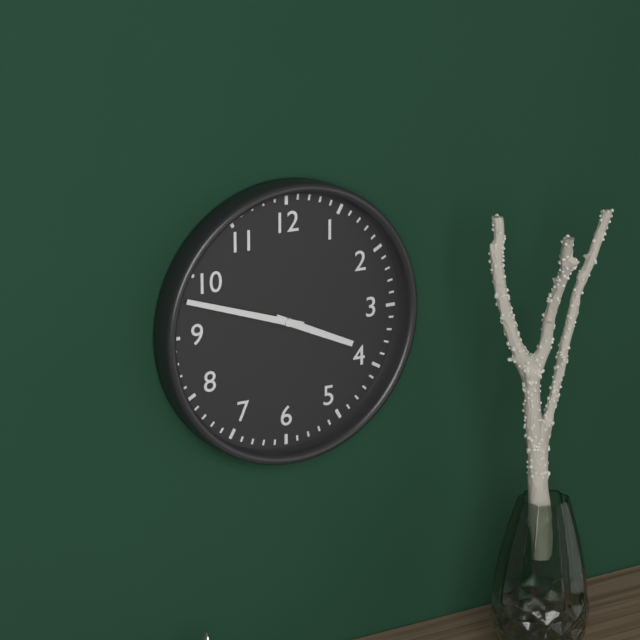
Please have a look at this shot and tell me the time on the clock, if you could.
3:48
